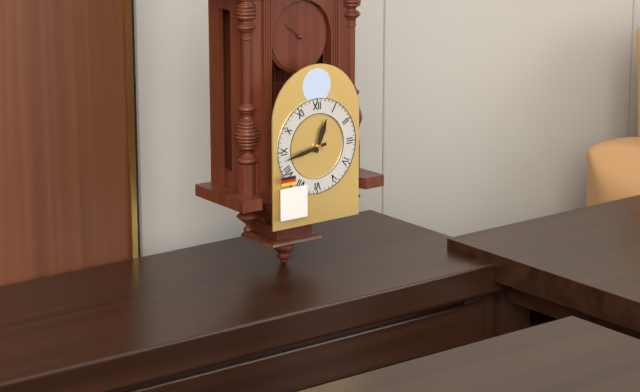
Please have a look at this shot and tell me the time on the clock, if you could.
12:43
